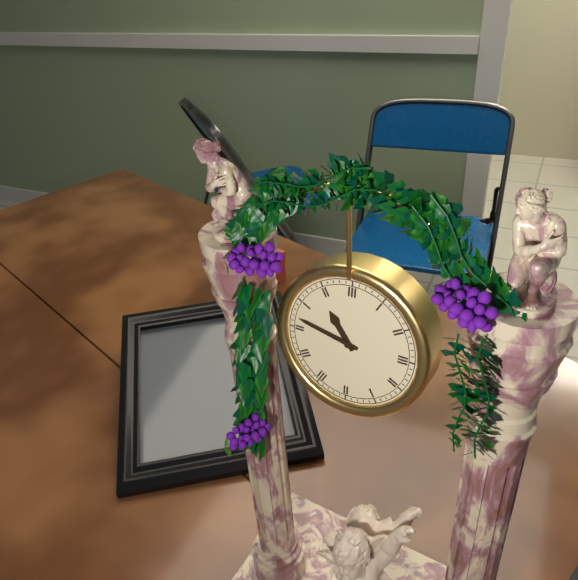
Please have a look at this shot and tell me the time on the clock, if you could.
10:47
